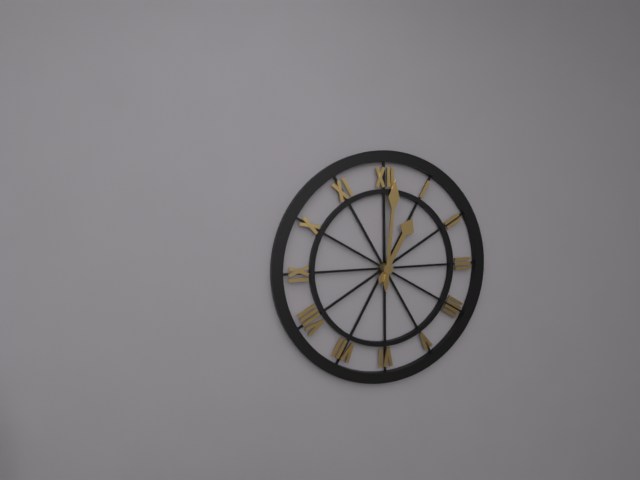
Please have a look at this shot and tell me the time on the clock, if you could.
1:01
